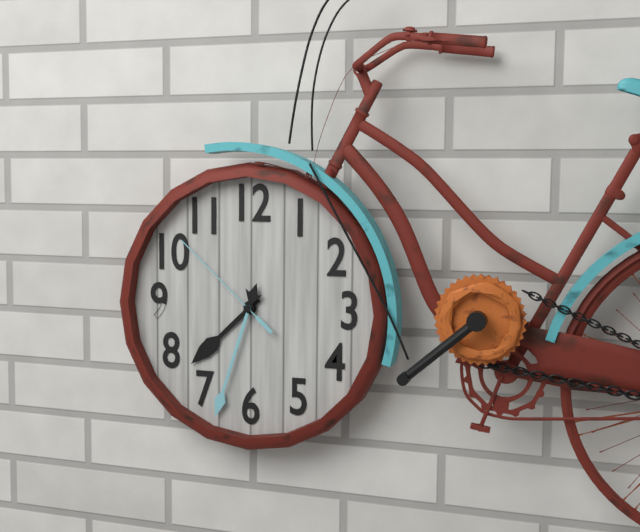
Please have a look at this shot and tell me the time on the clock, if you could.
7:33:52
